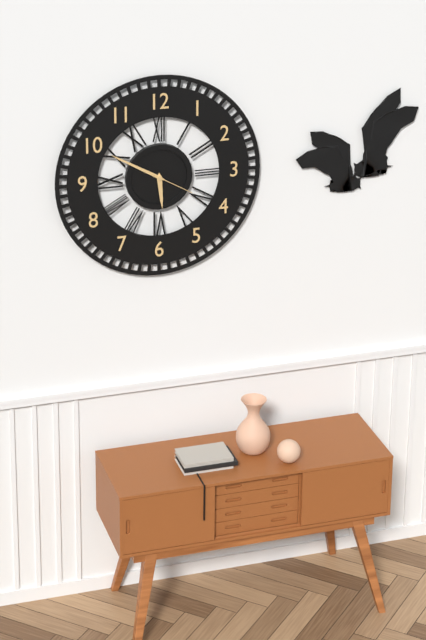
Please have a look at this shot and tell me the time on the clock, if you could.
5:50
